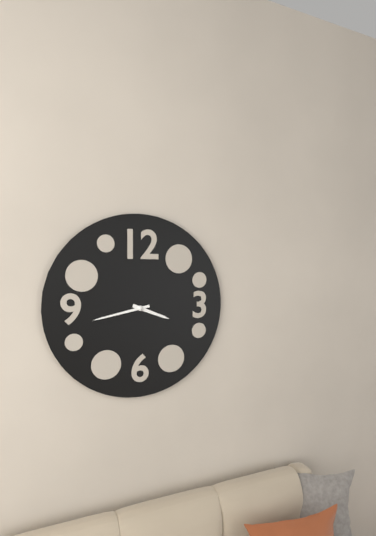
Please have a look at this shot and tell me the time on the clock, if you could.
3:43
